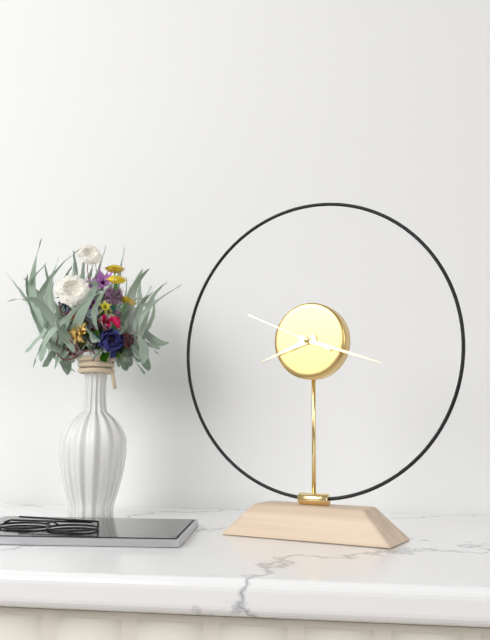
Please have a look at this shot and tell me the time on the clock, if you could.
8:18:49
